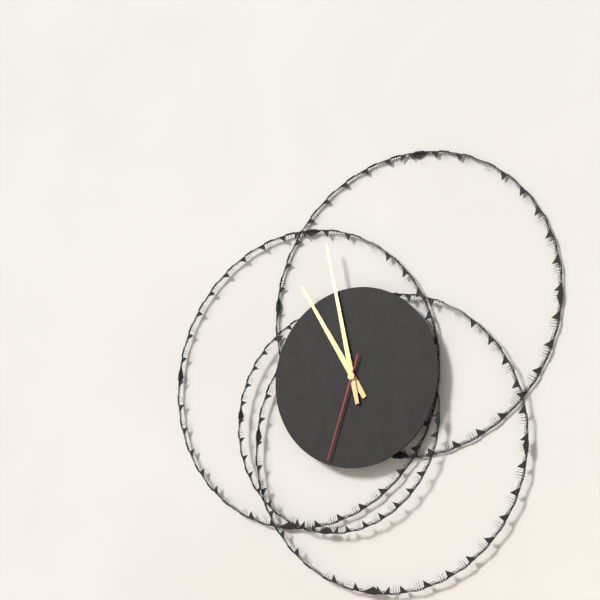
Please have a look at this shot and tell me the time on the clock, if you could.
10:58:33
